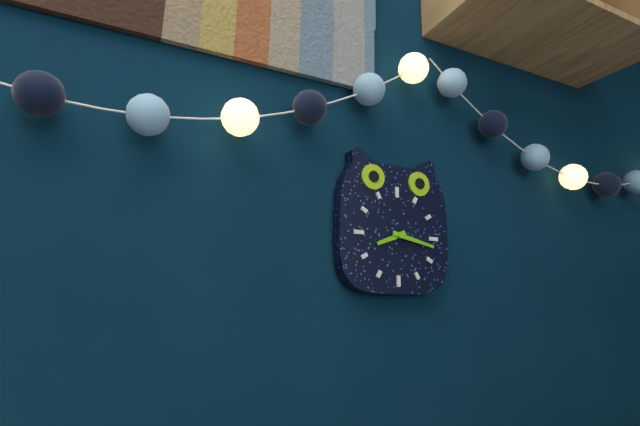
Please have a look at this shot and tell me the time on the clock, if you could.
8:17
